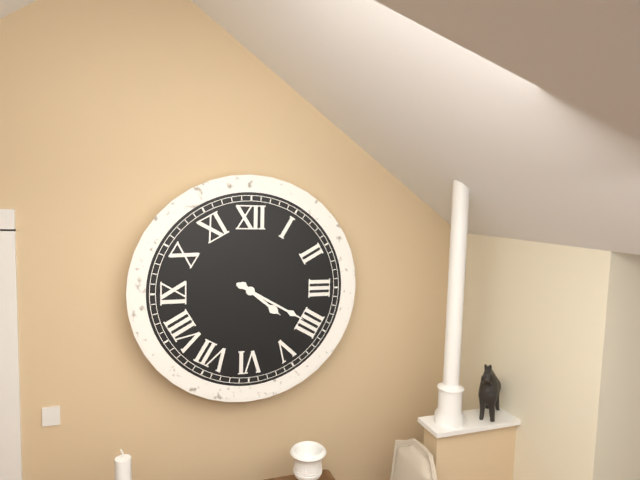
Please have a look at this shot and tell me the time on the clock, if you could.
4:20
